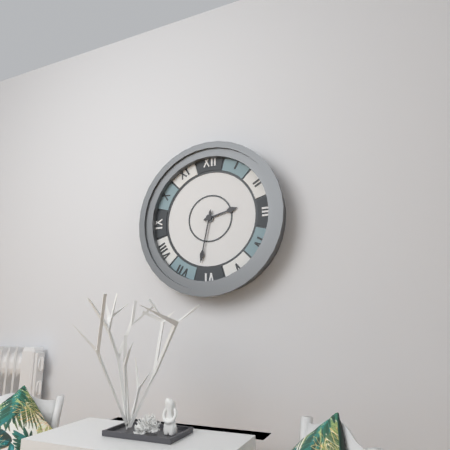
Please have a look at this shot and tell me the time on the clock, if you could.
2:32
